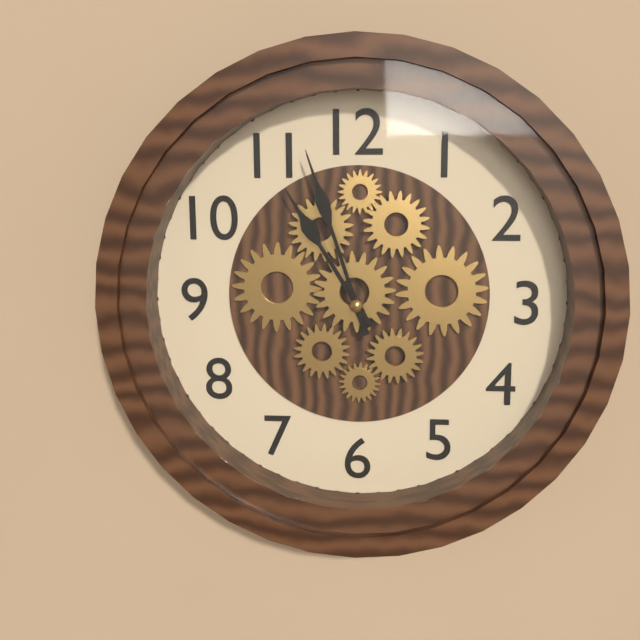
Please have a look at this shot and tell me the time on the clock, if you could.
10:57
